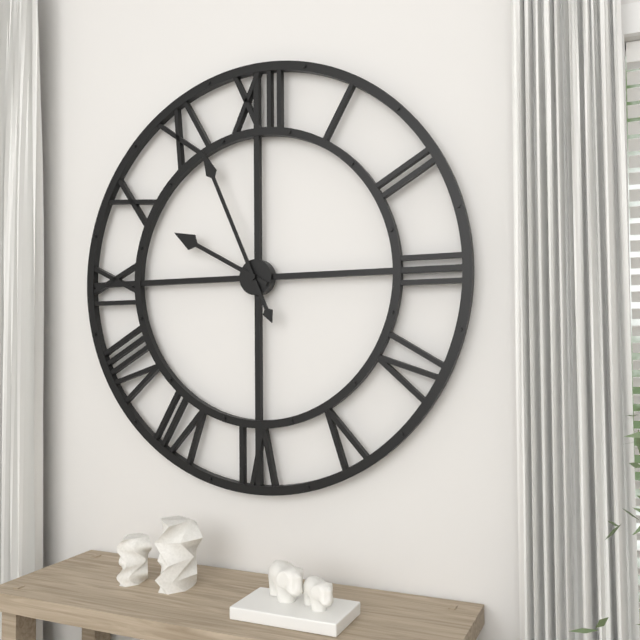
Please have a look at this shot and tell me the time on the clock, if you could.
9:56
